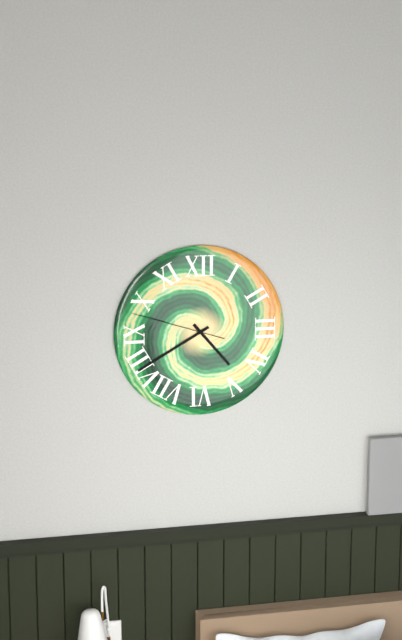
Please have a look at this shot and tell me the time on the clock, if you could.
4:40:48
